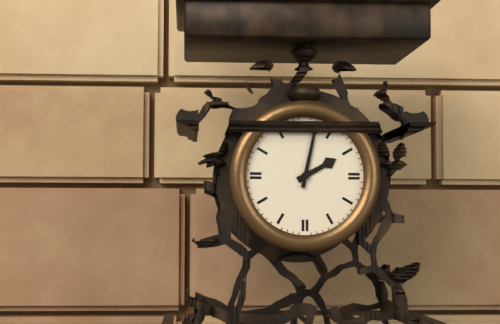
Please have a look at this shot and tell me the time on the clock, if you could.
2:02
